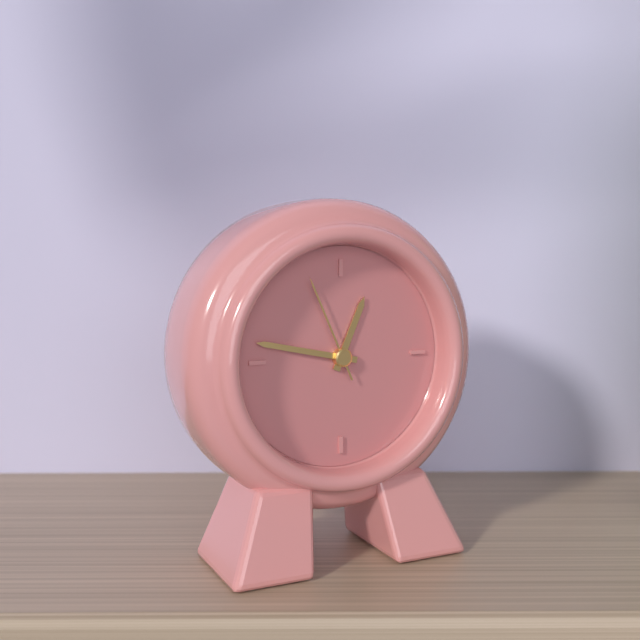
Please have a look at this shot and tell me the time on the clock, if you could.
12:47:56
